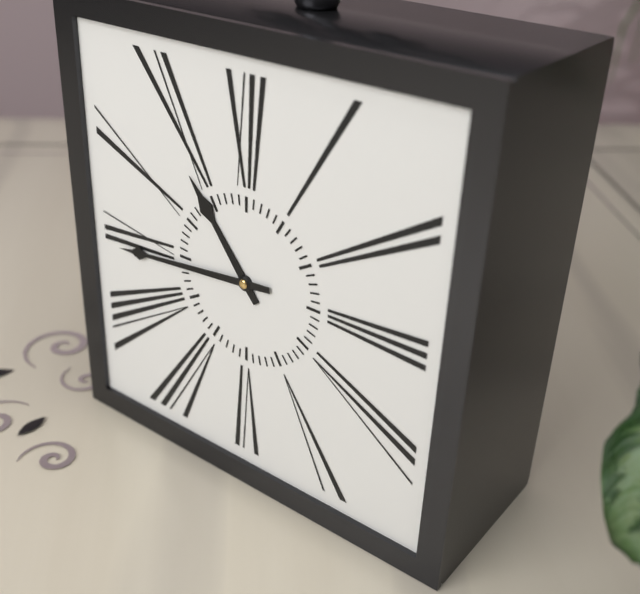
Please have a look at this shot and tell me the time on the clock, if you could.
10:44
